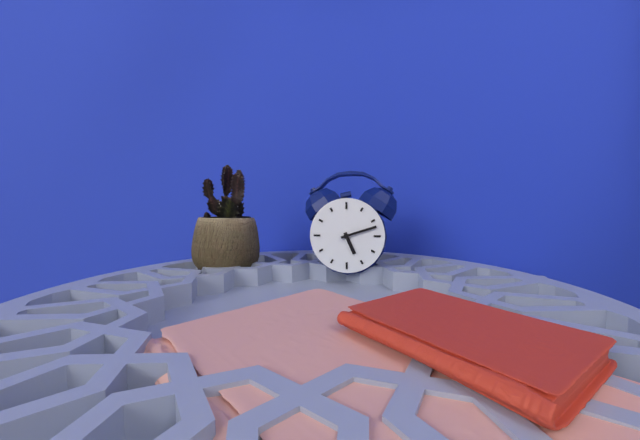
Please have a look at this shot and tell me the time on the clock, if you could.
5:12
